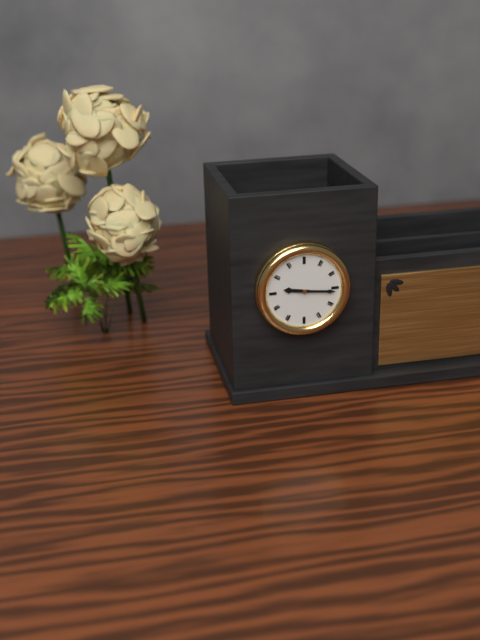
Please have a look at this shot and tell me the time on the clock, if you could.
9:16
